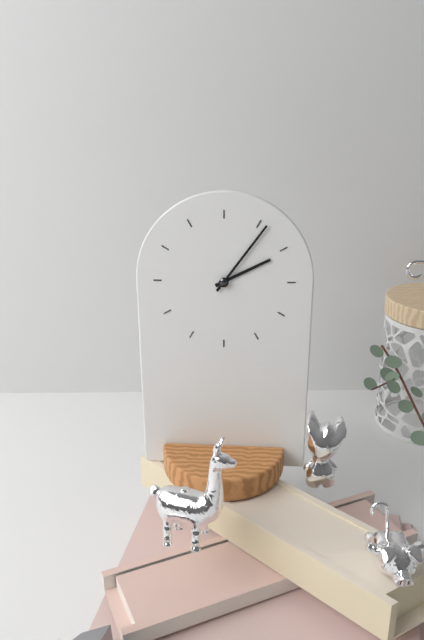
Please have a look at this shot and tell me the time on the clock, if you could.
2:06
